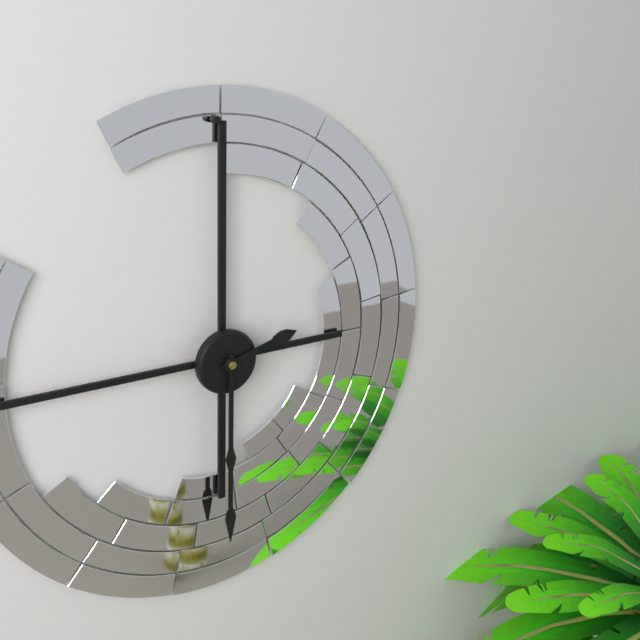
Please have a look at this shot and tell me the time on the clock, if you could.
2:30
